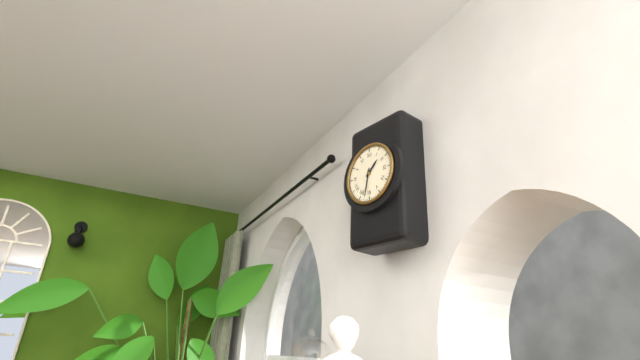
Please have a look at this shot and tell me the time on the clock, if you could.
1:32
